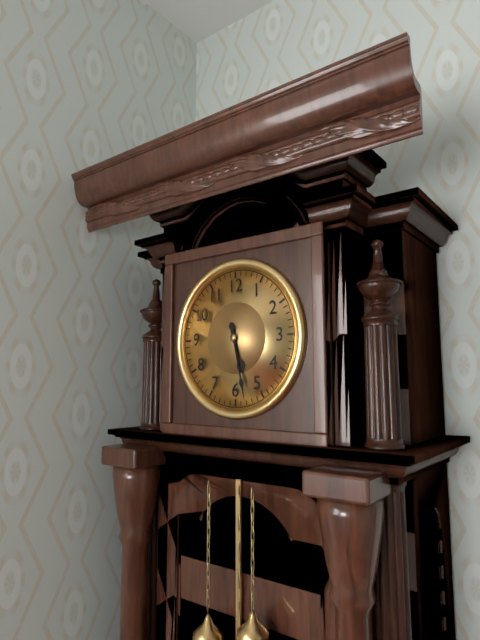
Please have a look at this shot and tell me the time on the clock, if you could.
5:28
